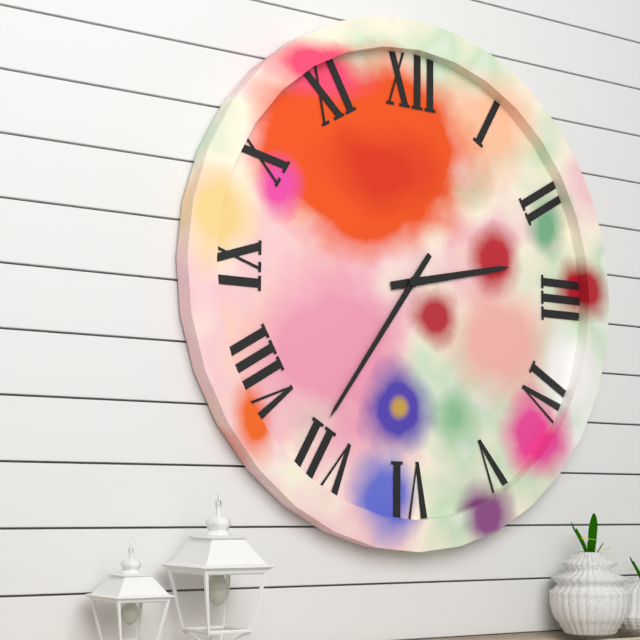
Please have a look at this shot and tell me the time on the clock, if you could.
2:36
